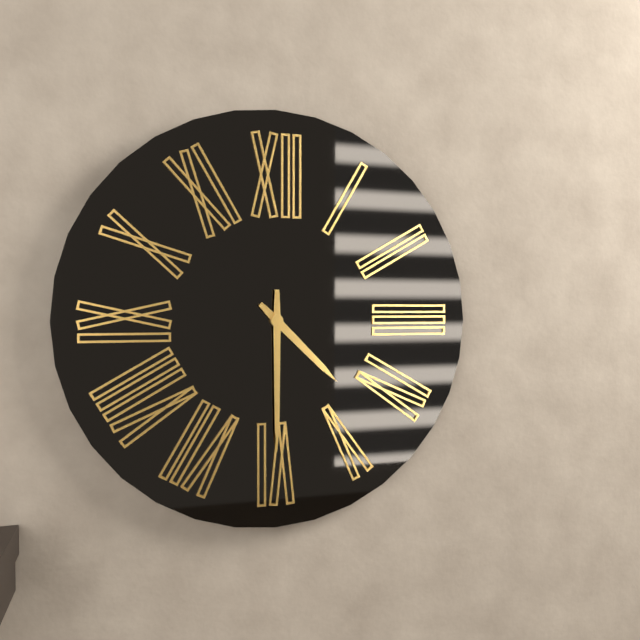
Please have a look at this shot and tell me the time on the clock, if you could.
4:30
